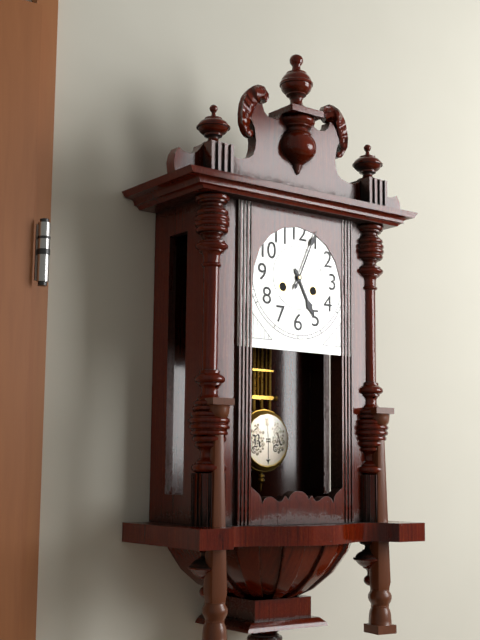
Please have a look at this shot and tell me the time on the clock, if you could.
5:04
